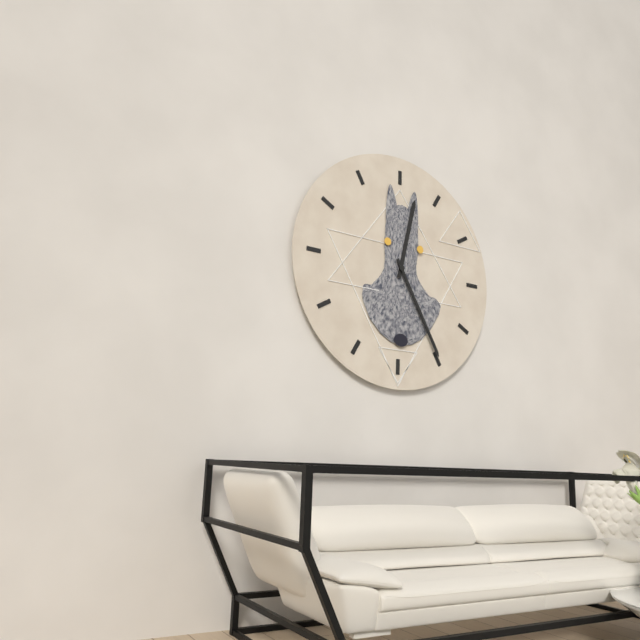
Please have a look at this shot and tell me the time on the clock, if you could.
12:25
